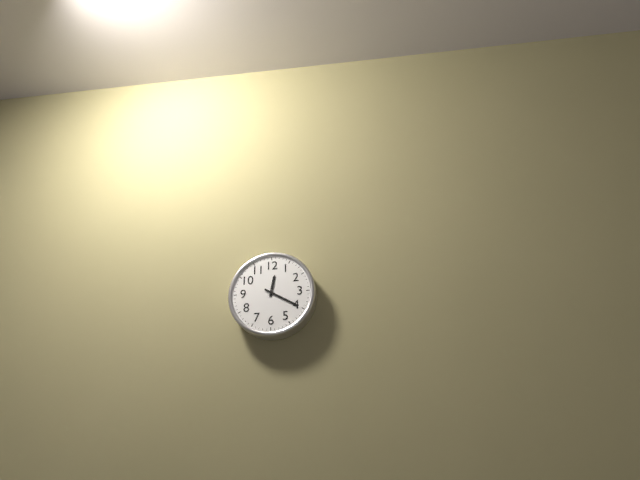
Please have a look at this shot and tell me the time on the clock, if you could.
12:20
